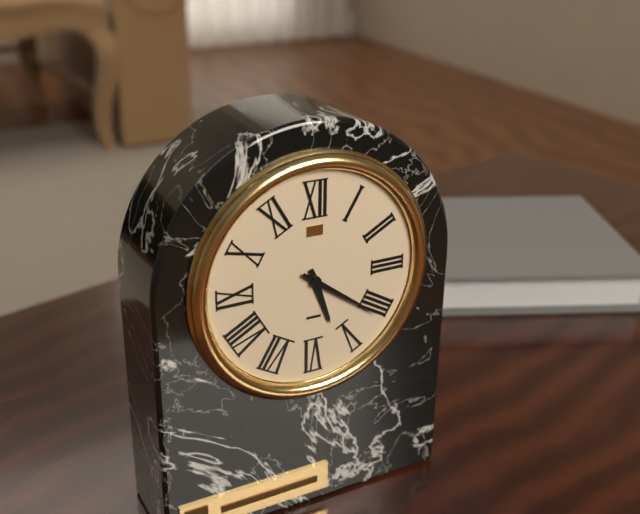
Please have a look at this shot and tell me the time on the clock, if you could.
5:21
